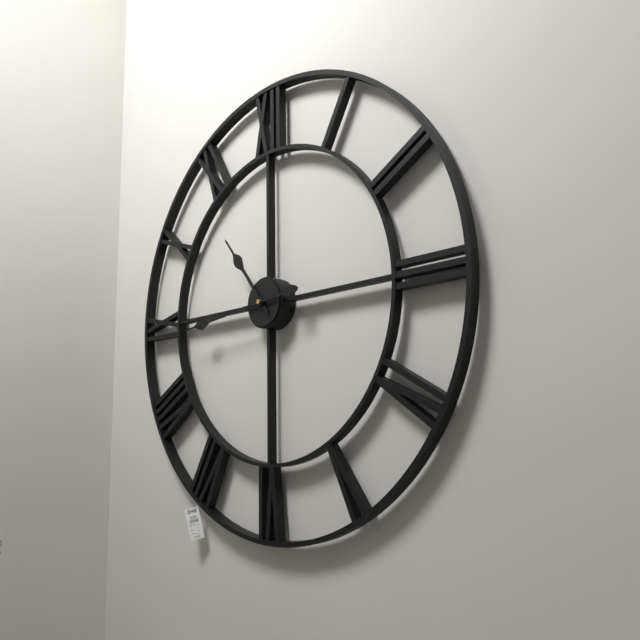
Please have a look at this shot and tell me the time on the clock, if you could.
10:44
